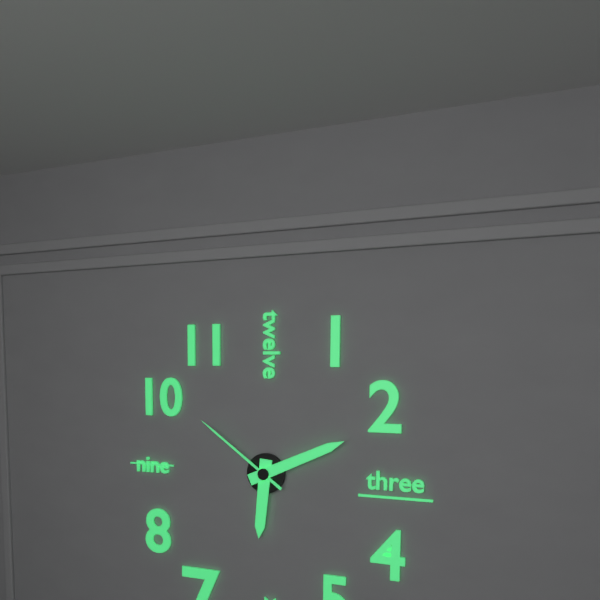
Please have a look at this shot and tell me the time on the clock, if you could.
6:11:51
